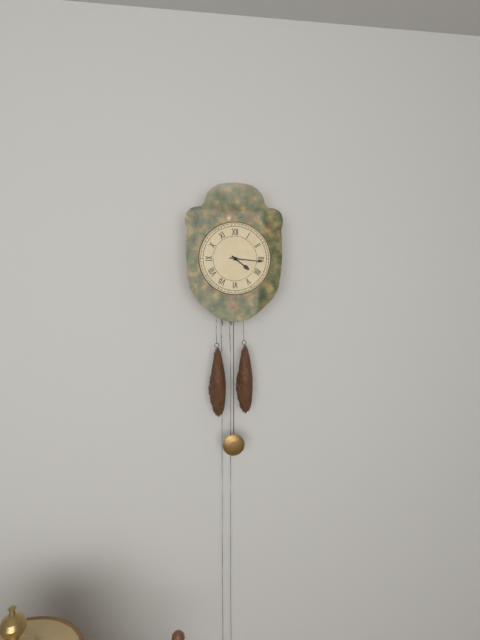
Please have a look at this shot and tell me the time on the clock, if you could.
4:16
